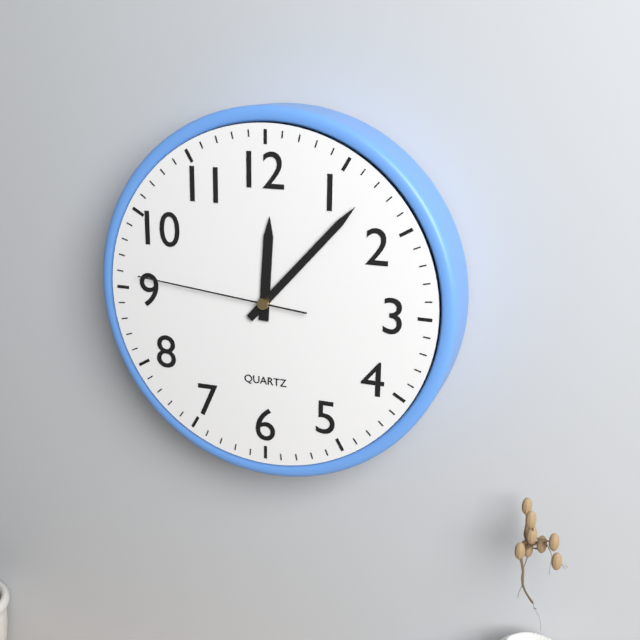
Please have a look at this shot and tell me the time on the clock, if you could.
12:07:46
